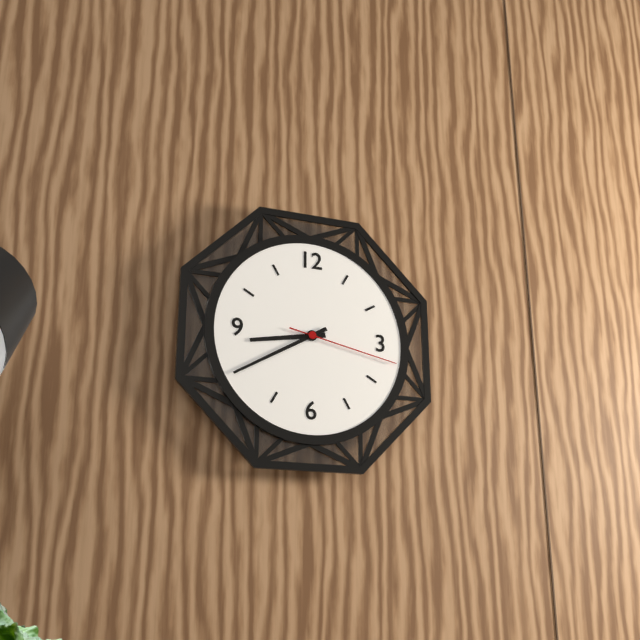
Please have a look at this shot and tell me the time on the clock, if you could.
8:40:17
